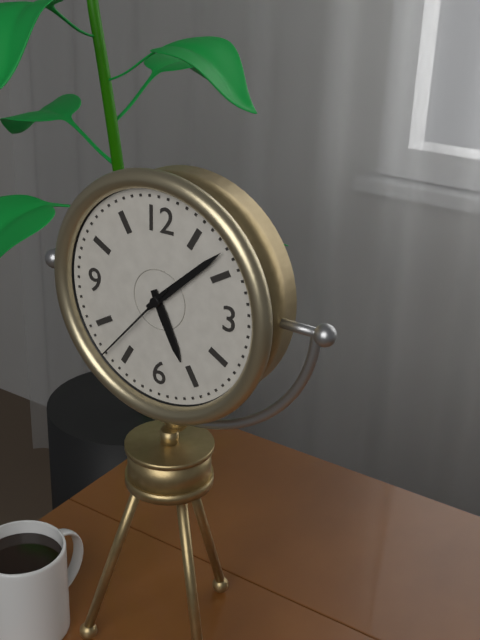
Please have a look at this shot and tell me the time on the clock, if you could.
5:08:37
